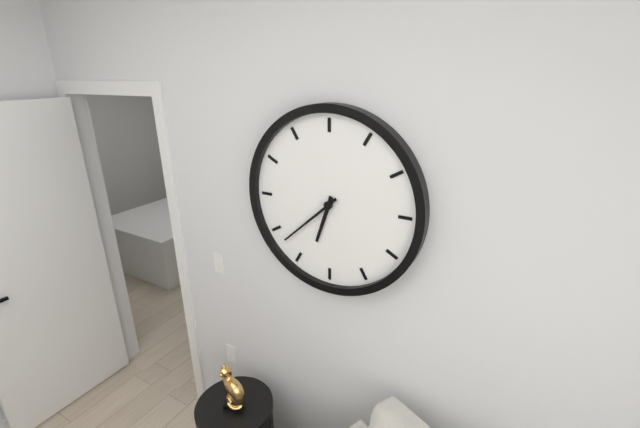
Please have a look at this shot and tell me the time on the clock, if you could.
6:38
